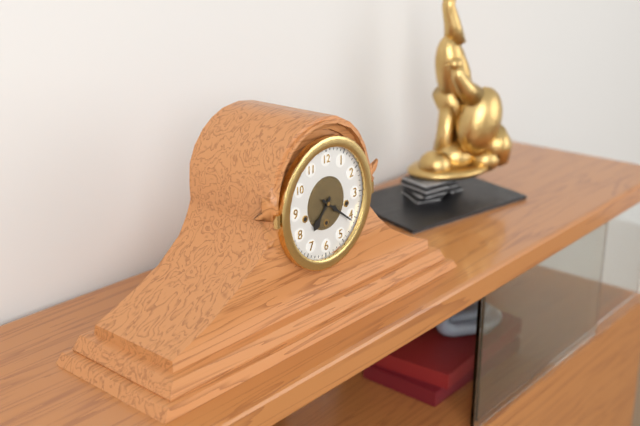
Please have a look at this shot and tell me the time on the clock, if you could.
7:21
